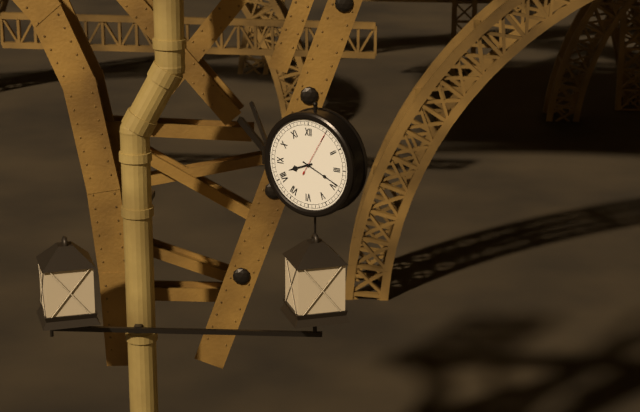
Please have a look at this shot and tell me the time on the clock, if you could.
8:19
